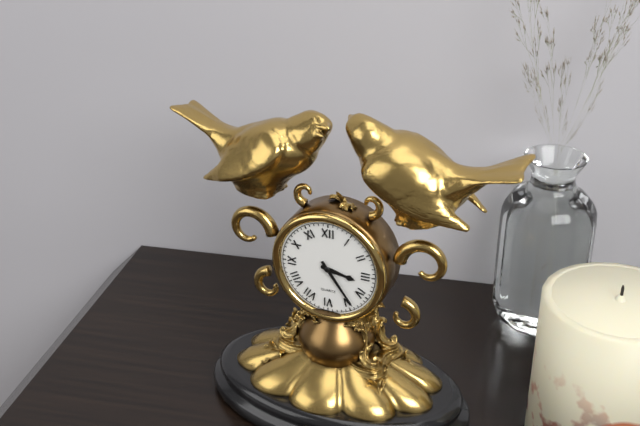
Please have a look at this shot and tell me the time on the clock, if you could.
3:24
